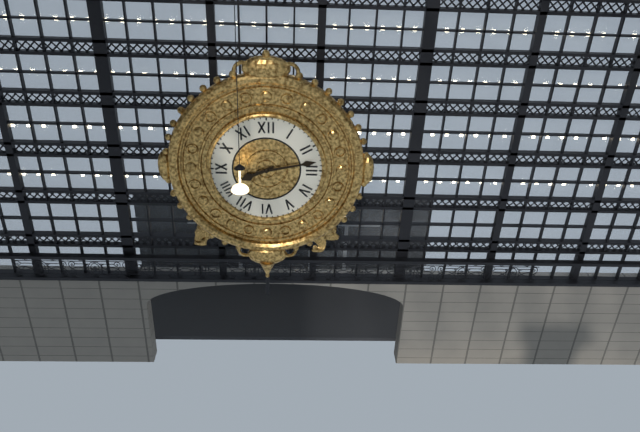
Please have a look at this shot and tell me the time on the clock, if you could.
8:13
